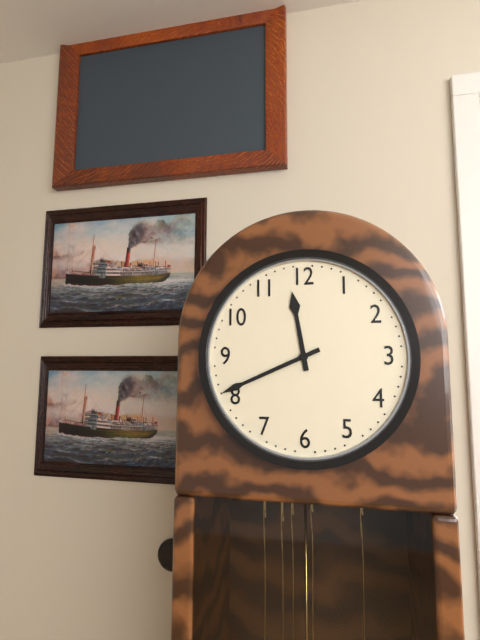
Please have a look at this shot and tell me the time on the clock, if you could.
11:41
